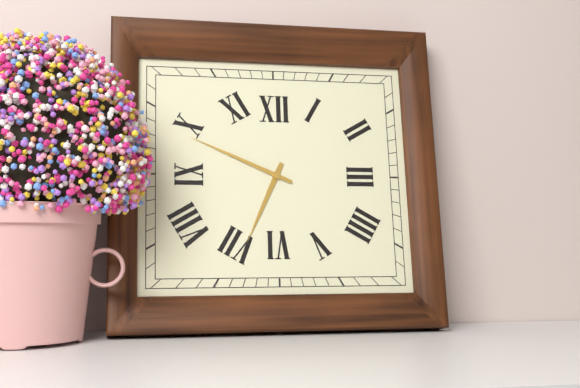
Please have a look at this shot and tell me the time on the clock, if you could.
6:49
